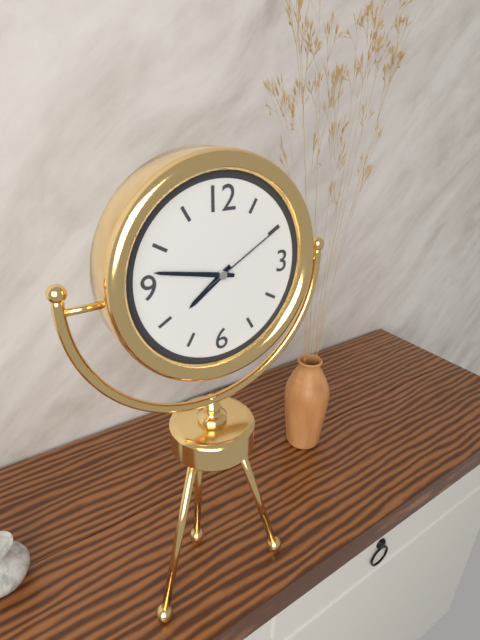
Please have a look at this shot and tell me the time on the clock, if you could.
7:47:10
